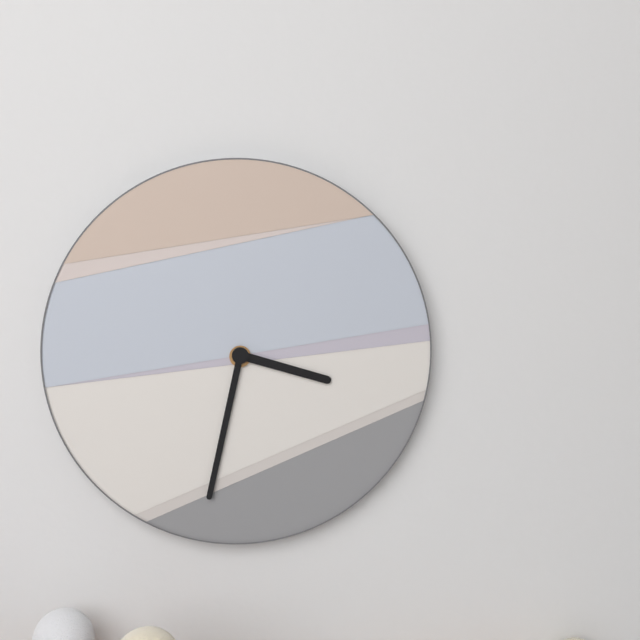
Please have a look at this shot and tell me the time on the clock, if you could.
3:32
